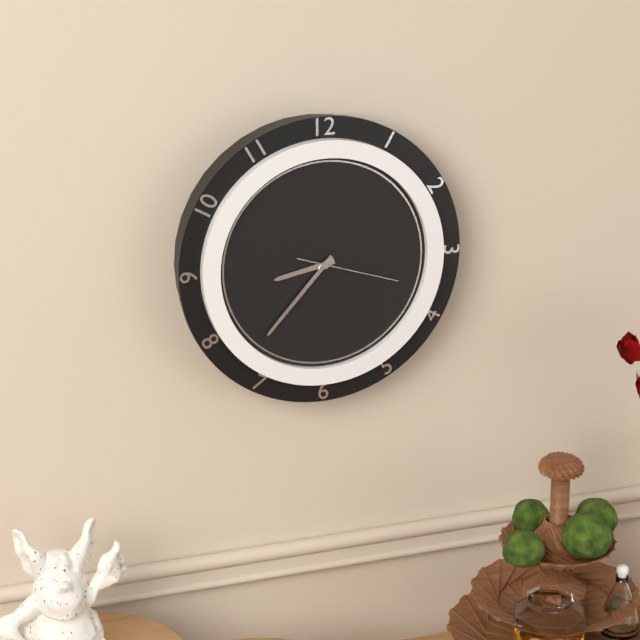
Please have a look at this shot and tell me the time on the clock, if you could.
8:37:18
